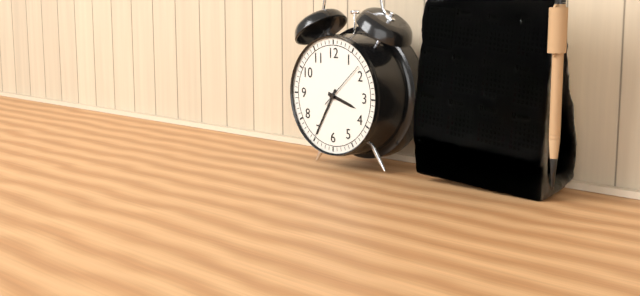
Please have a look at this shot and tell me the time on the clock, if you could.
3:35
